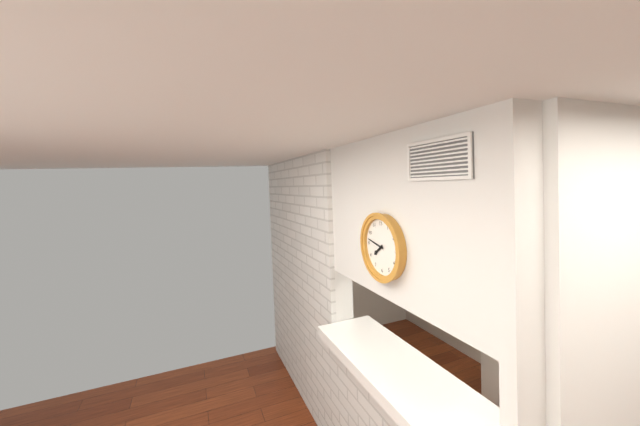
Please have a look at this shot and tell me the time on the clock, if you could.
7:47
